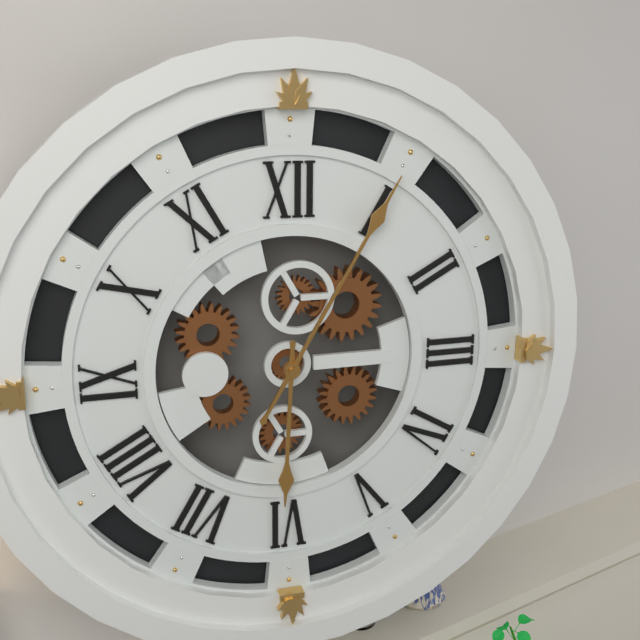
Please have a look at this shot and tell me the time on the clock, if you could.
6:05
